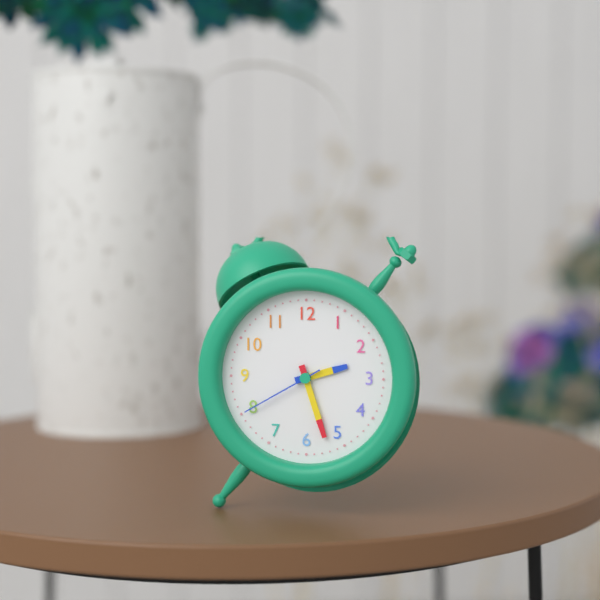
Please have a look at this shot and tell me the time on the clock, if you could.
2:27:40
